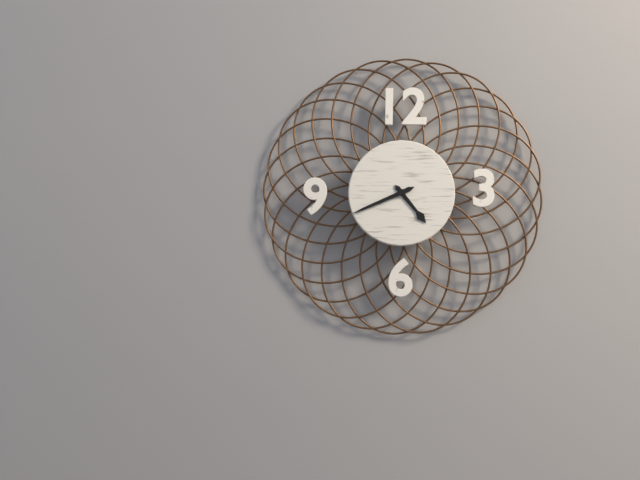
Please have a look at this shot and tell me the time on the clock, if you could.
4:41
